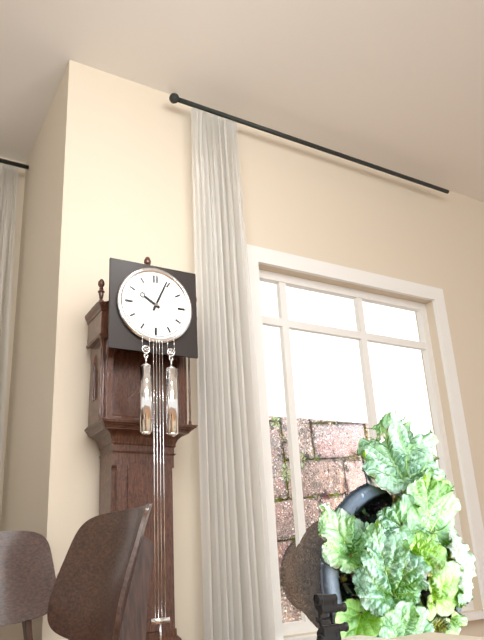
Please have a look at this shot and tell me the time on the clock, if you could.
10:04
